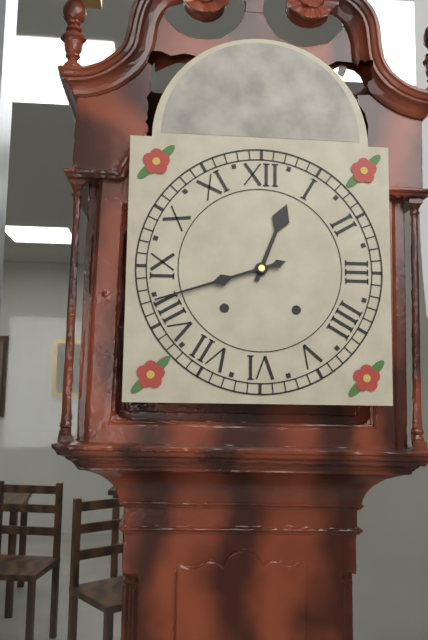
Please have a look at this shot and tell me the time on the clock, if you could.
12:42
